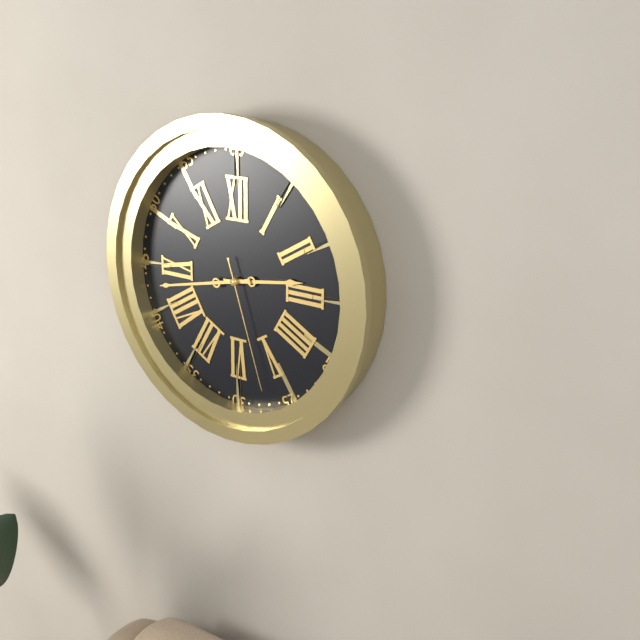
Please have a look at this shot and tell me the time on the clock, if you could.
2:43:27
